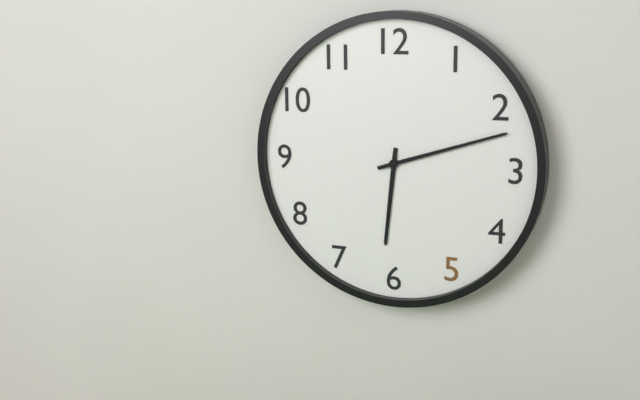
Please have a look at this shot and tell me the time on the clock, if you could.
6:12
